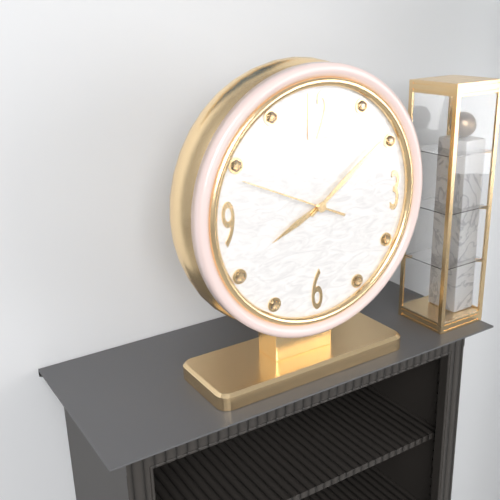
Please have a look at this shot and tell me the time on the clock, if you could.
8:09:49
